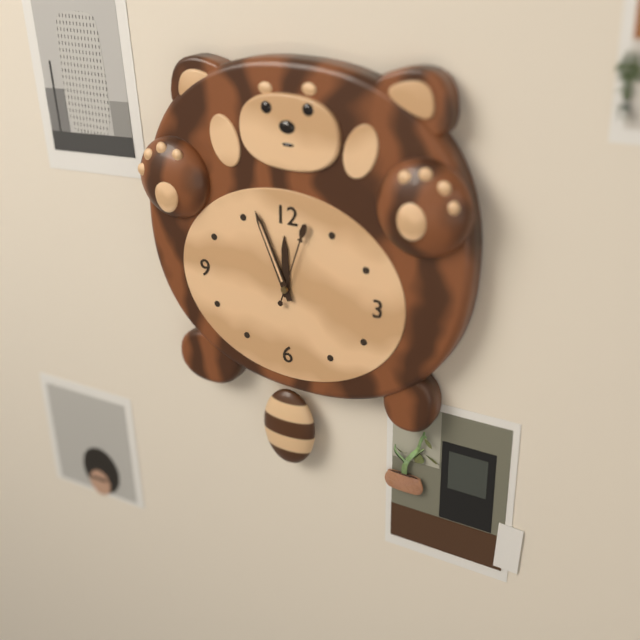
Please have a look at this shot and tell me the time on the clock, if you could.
11:56:03
